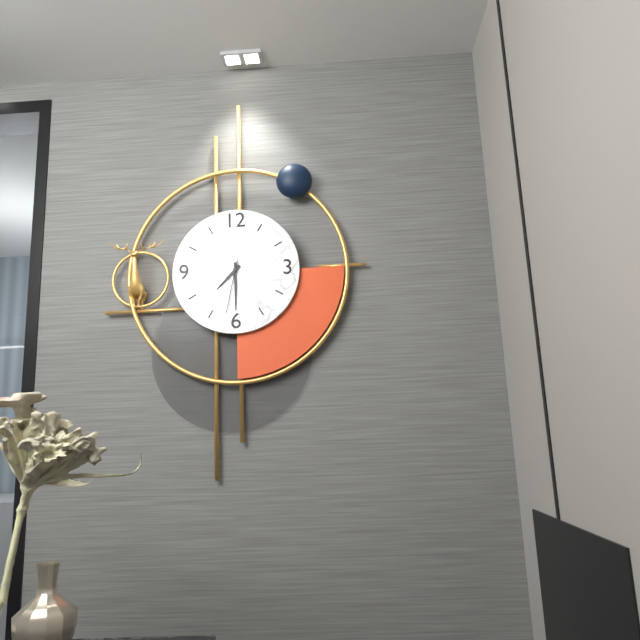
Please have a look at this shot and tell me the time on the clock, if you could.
7:30
